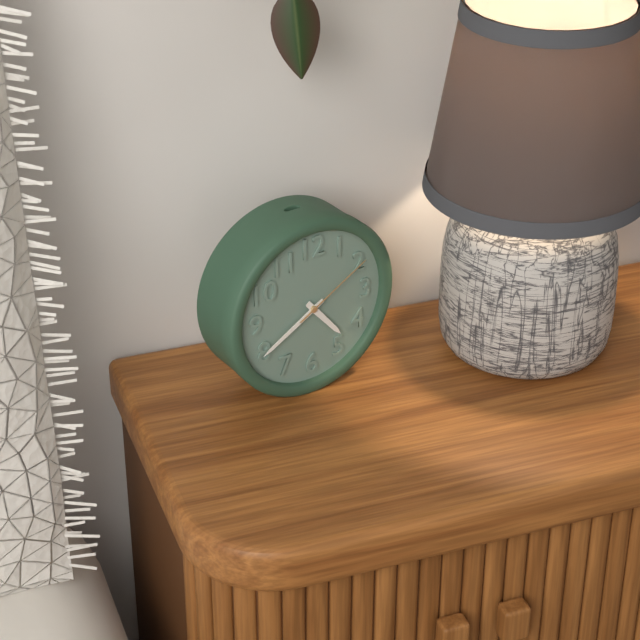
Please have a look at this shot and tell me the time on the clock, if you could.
4:40:10
